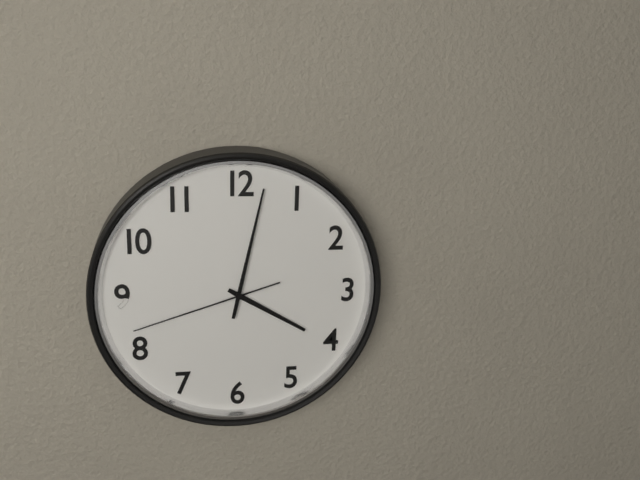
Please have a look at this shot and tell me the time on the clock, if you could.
4:02:42
